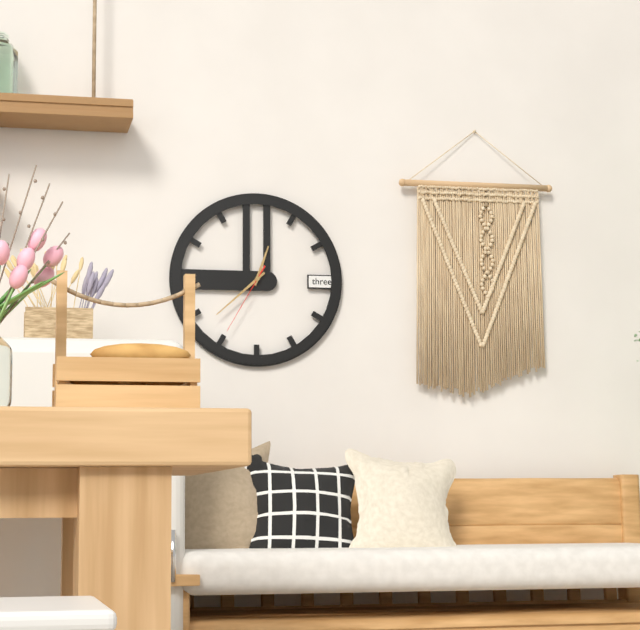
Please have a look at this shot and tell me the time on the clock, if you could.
12:38:35
